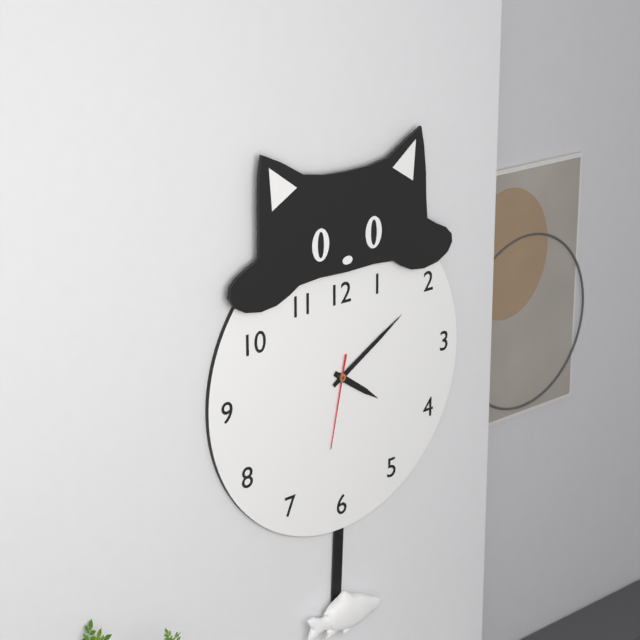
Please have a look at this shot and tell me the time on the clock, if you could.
4:10:32
